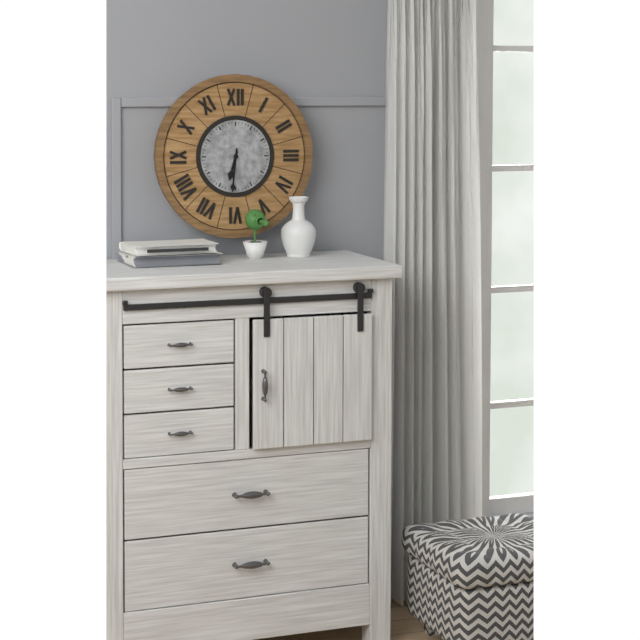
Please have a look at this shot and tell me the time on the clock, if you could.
6:31
